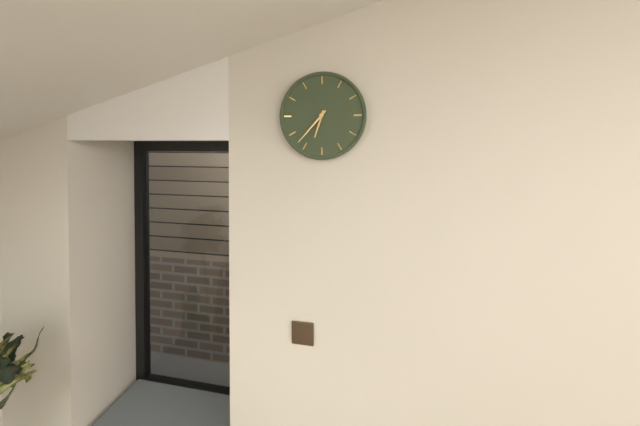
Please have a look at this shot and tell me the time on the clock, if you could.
6:37
